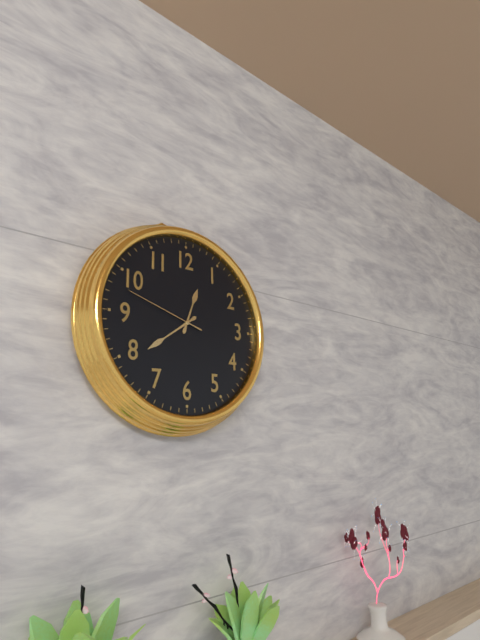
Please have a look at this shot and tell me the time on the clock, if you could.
12:39:48
